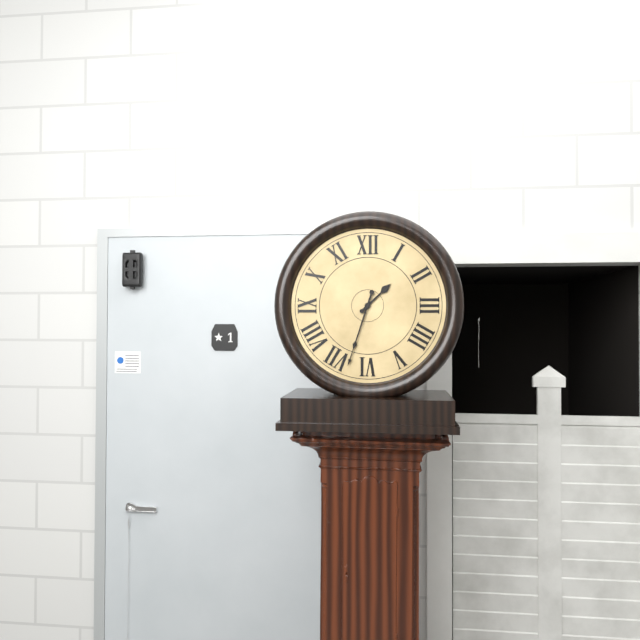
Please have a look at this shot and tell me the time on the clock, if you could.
1:33
